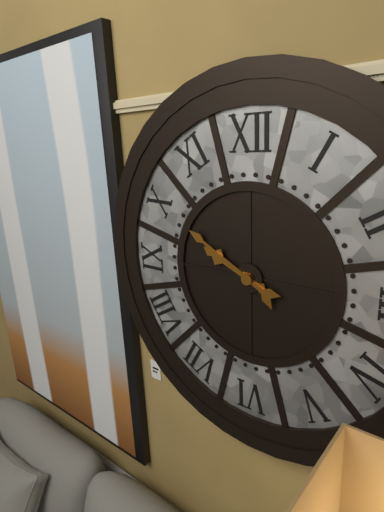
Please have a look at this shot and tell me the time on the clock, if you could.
9:50
